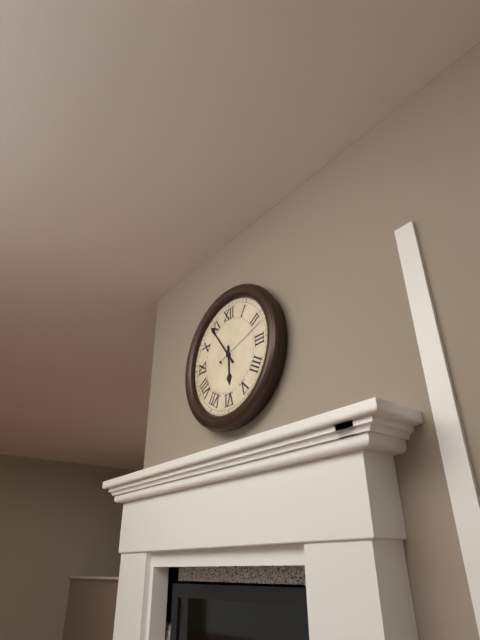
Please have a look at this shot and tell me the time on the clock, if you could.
5:54:12
